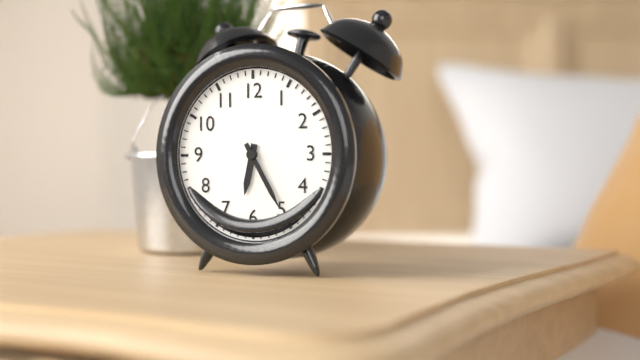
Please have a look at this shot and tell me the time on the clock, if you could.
6:25
